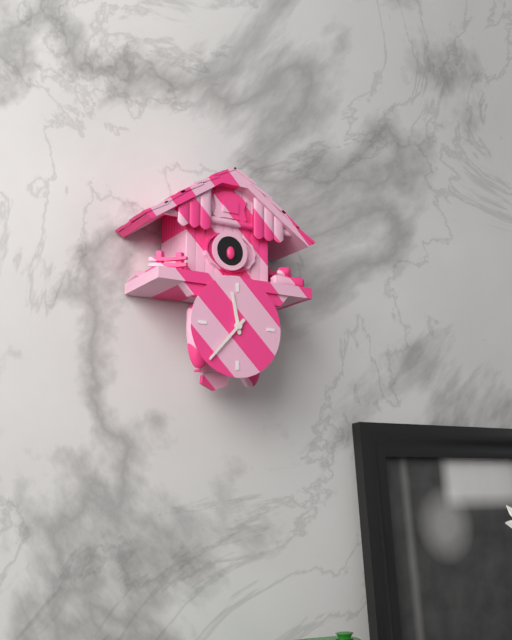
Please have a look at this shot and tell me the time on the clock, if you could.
11:37
